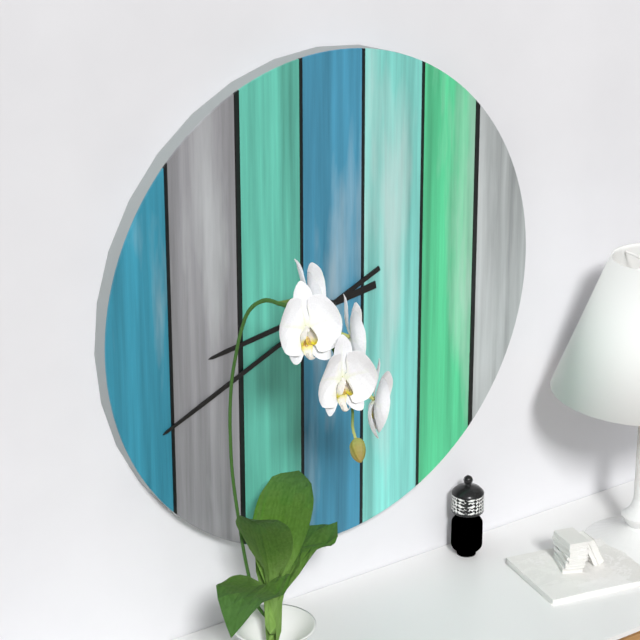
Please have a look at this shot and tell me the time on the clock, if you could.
8:41
